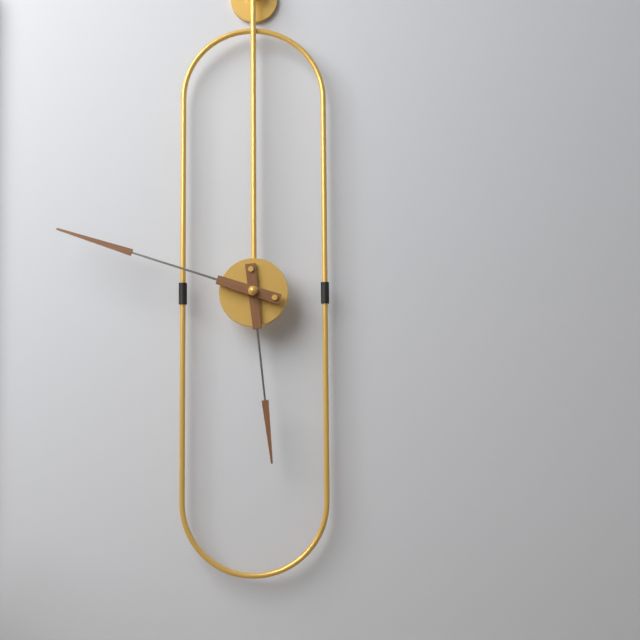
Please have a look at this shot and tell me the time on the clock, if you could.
5:48
